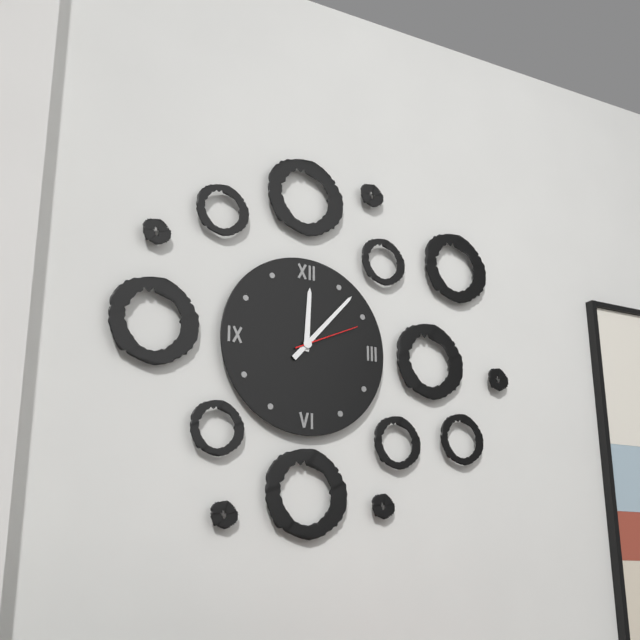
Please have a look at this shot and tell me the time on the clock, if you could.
12:07:11
